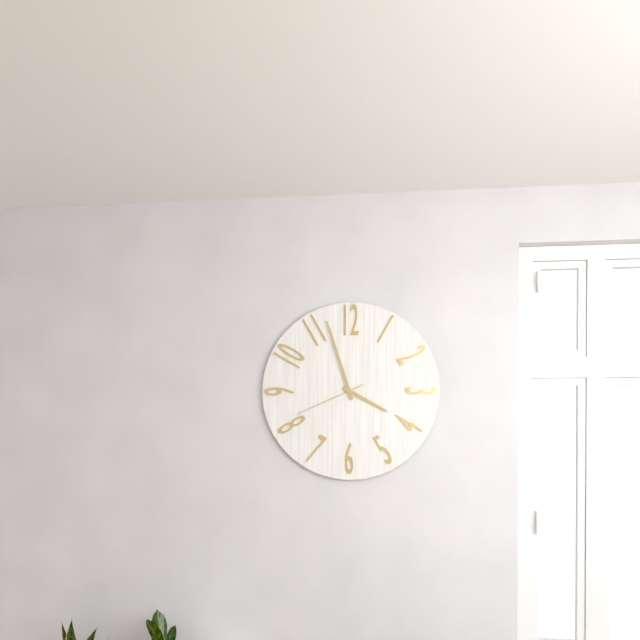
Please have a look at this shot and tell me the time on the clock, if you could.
3:57:41
